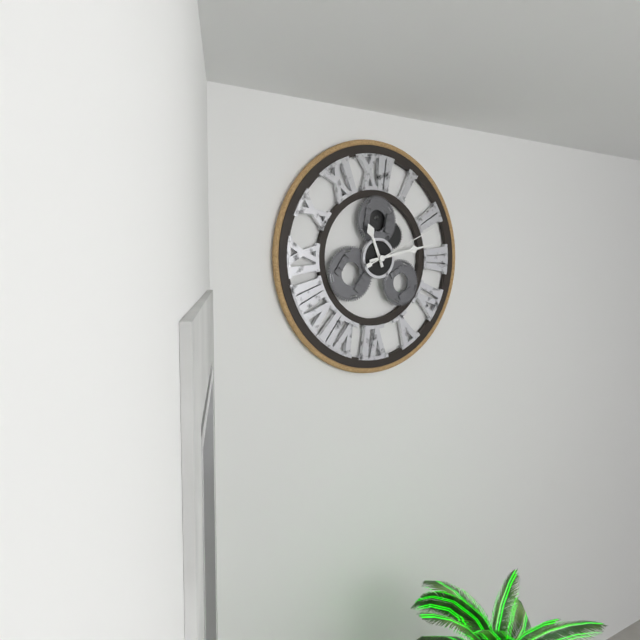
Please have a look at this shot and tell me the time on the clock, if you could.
11:13:11
